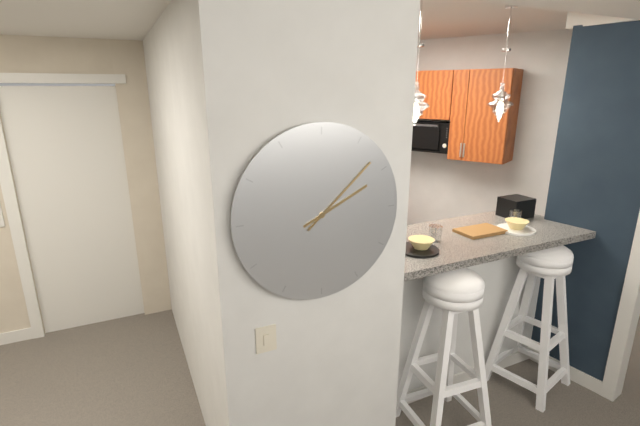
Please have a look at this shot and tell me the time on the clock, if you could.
2:08
